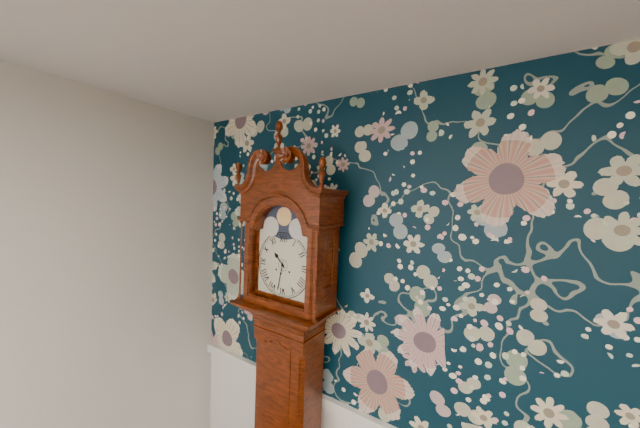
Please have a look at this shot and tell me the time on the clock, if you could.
10:32
